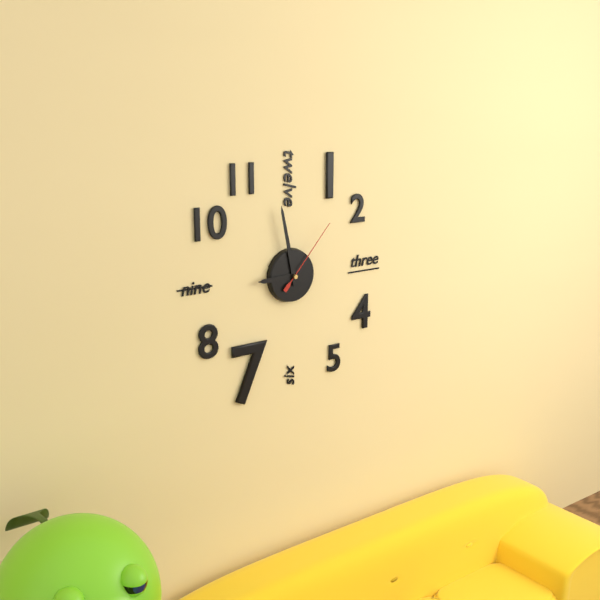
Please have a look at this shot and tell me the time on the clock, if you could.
8:58:07
